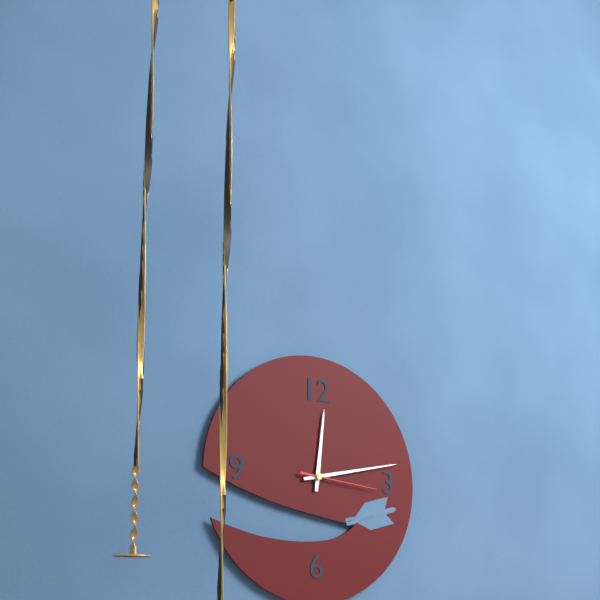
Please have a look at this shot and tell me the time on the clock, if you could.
12:13:16
